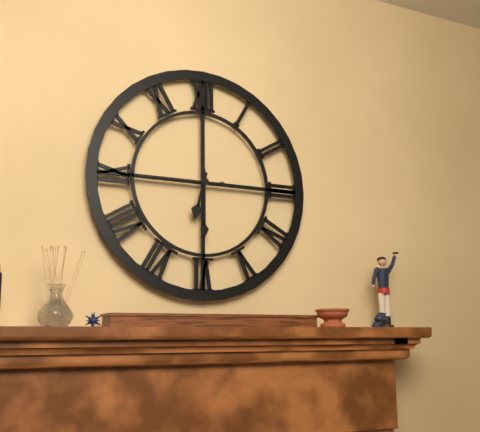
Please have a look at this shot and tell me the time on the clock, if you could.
6:30:45
